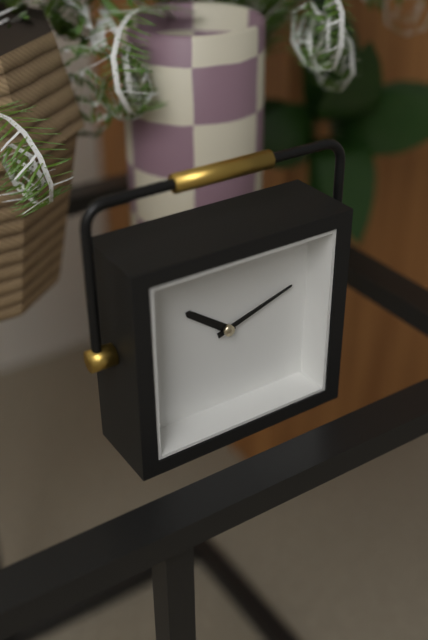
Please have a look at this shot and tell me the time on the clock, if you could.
10:12
